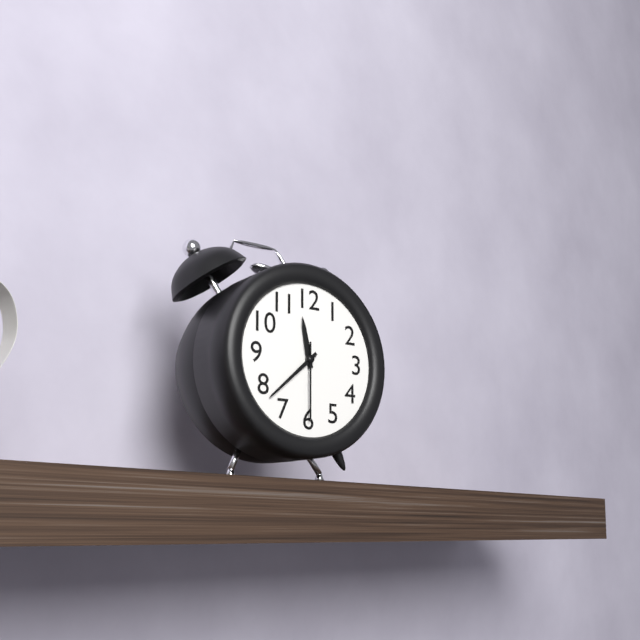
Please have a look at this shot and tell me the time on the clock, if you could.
11:38:30
